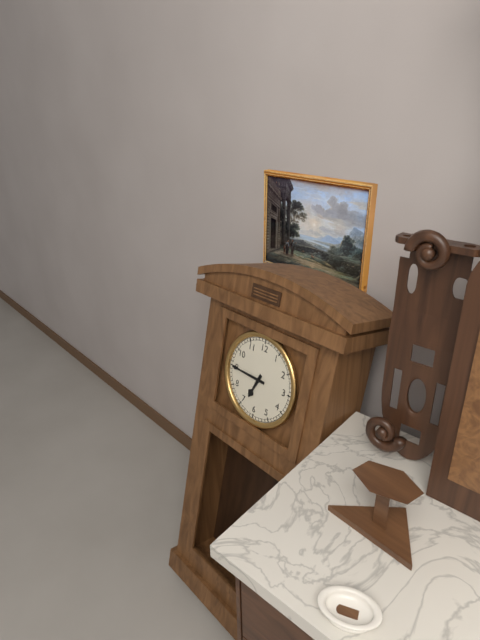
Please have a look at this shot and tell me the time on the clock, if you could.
6:45
